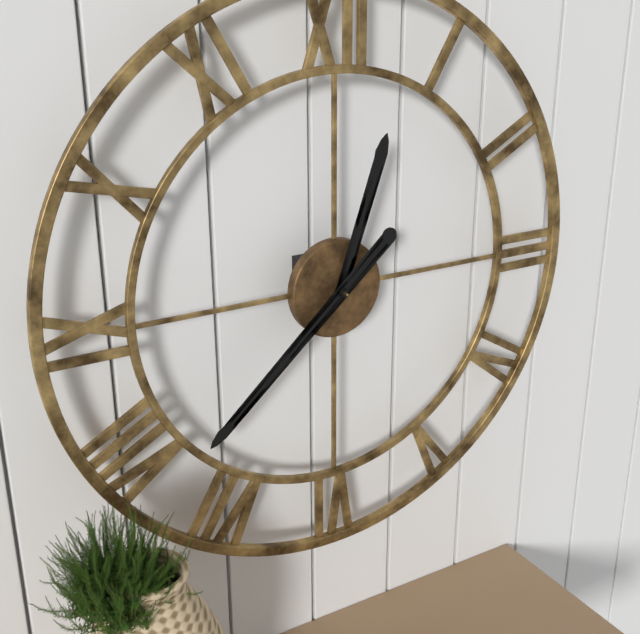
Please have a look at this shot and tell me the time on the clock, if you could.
12:38
